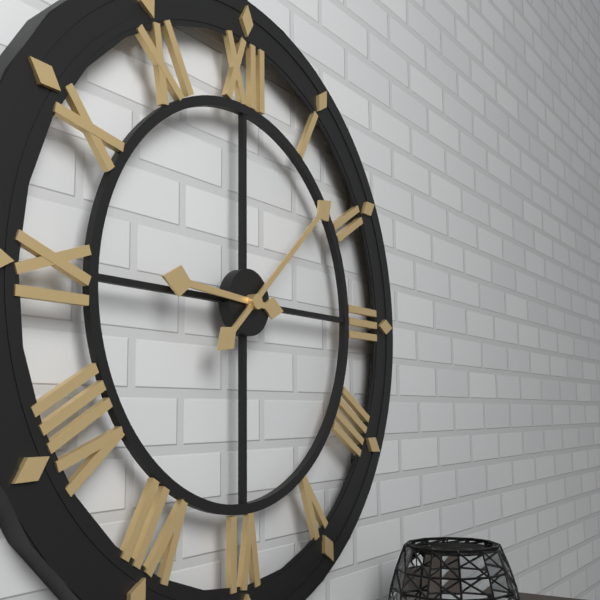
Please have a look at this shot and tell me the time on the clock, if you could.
9:08
